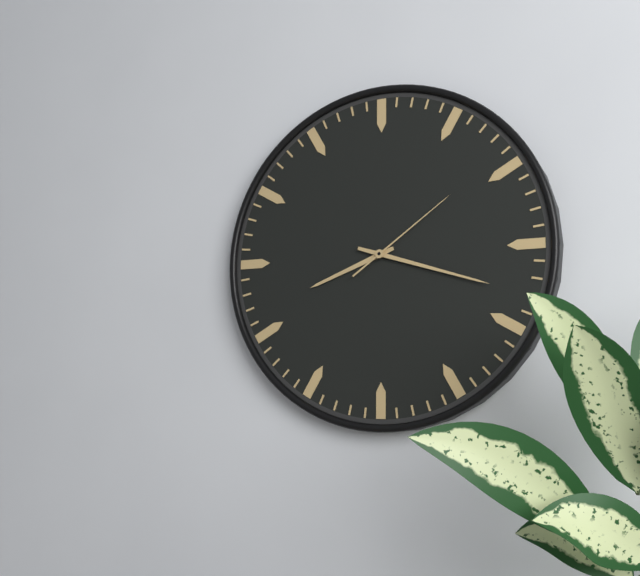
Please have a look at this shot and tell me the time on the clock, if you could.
8:18:09
